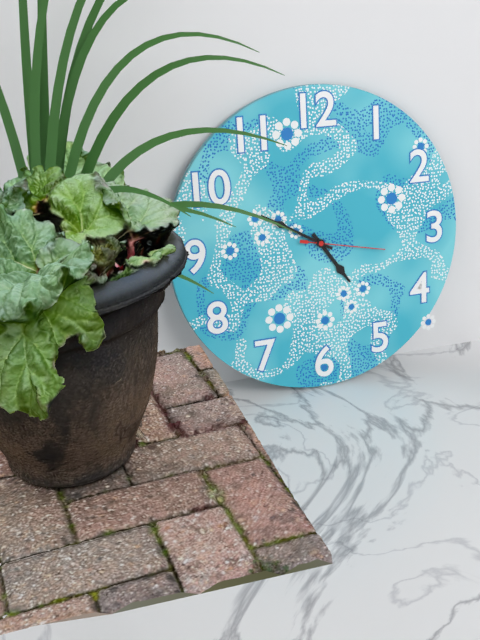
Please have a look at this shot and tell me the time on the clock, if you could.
4:50:17
